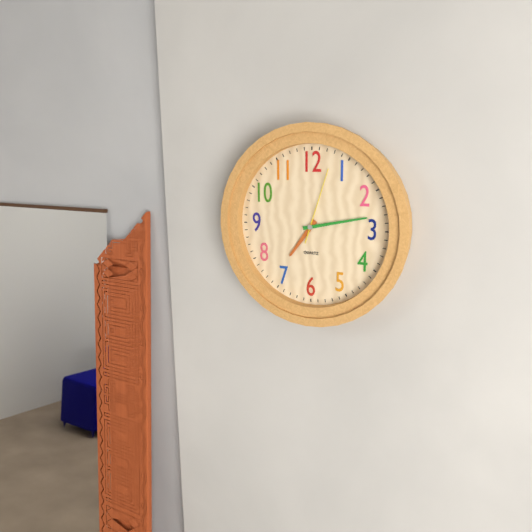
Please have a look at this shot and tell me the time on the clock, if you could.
7:13:03
